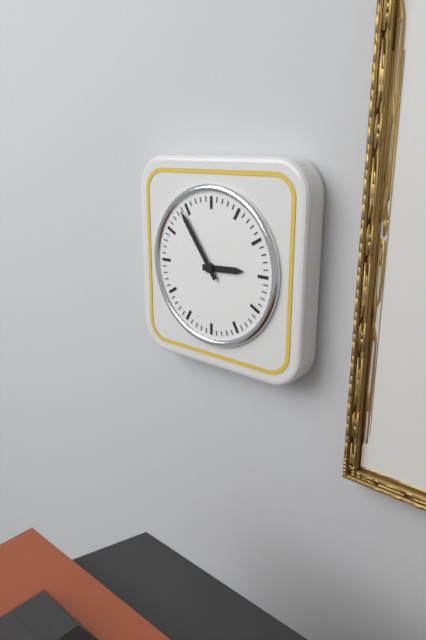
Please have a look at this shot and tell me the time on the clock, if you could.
2:54
